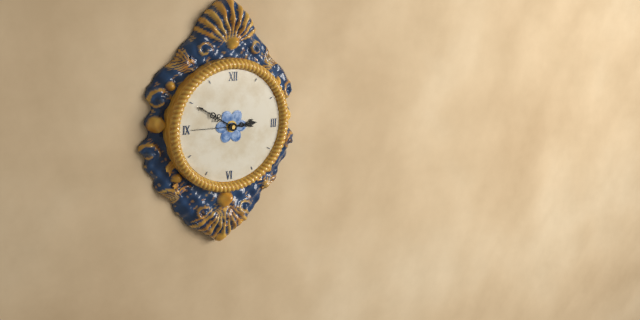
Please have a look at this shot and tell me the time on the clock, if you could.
2:50:45
